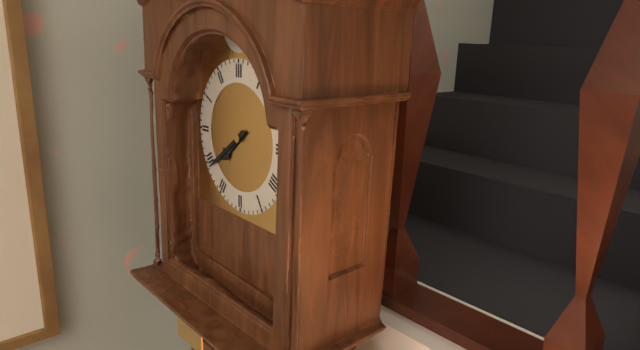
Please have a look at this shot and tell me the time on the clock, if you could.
7:39
